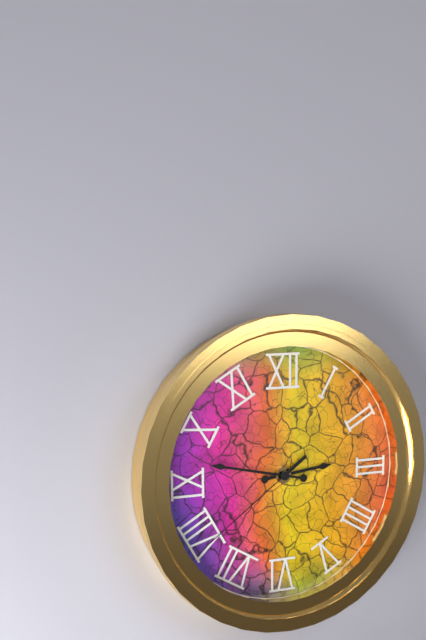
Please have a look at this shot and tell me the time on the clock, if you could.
2:47:39
